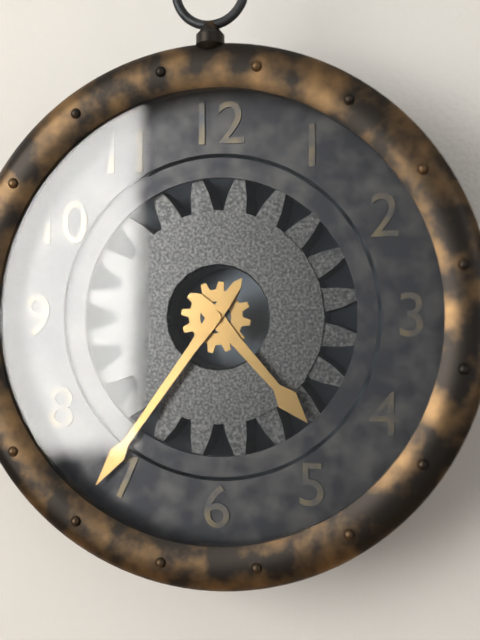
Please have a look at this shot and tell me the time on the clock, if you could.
4:36
